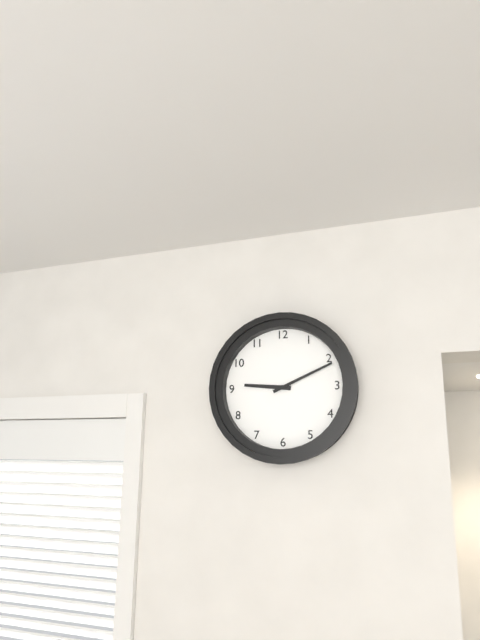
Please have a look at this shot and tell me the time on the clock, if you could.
9:11
